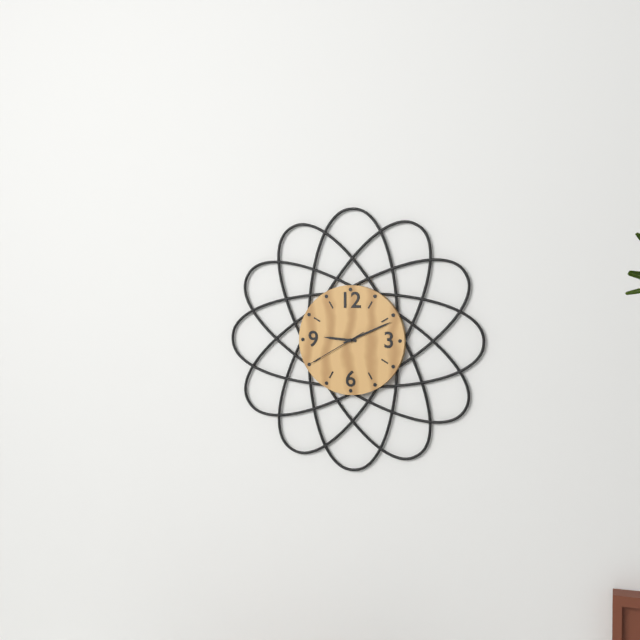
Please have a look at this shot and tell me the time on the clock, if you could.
9:11:40
